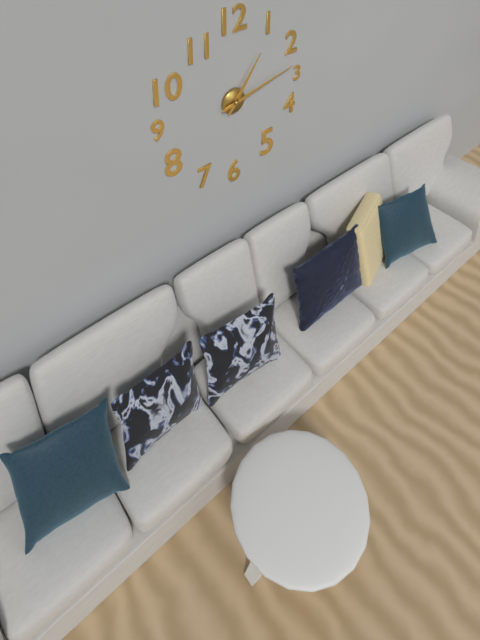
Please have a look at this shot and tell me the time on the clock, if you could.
1:13
